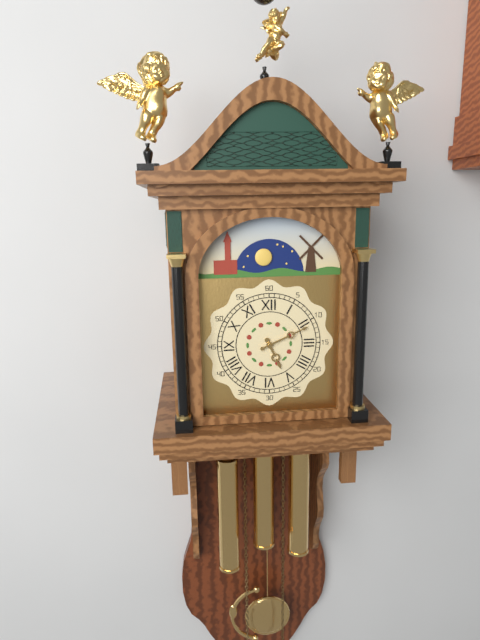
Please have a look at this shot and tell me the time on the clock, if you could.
5:11
